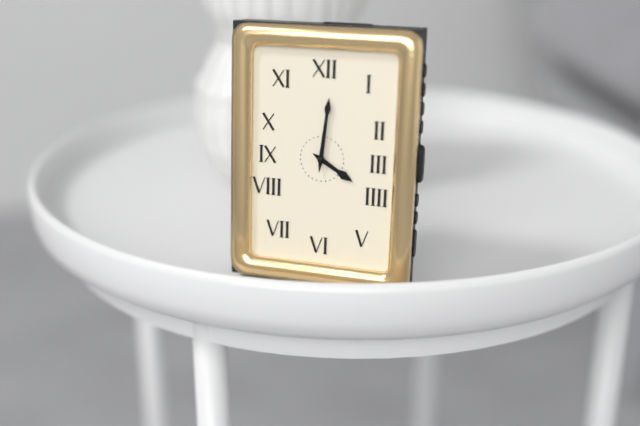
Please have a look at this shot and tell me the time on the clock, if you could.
4:01
